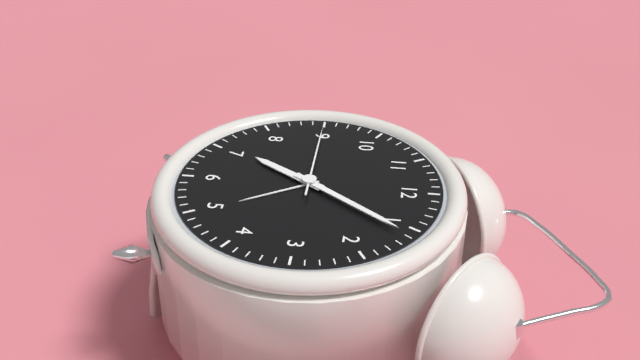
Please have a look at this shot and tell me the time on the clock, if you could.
7:06:45
